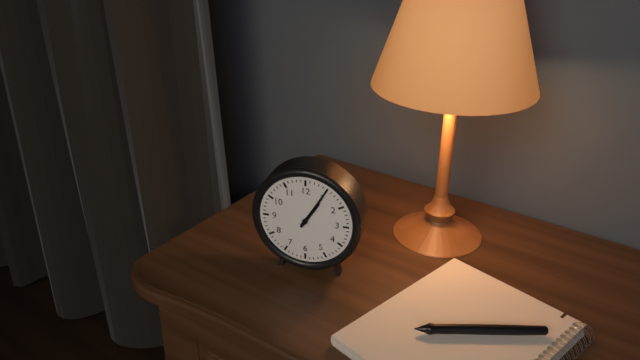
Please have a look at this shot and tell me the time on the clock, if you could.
1:05
